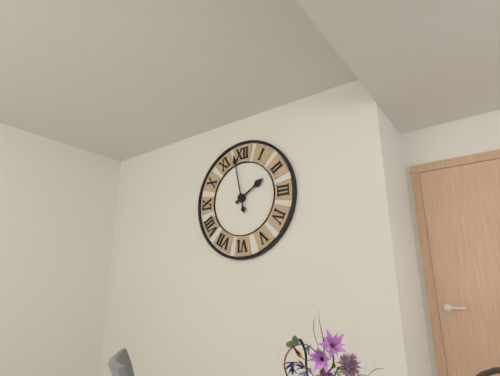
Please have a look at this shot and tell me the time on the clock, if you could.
1:58
